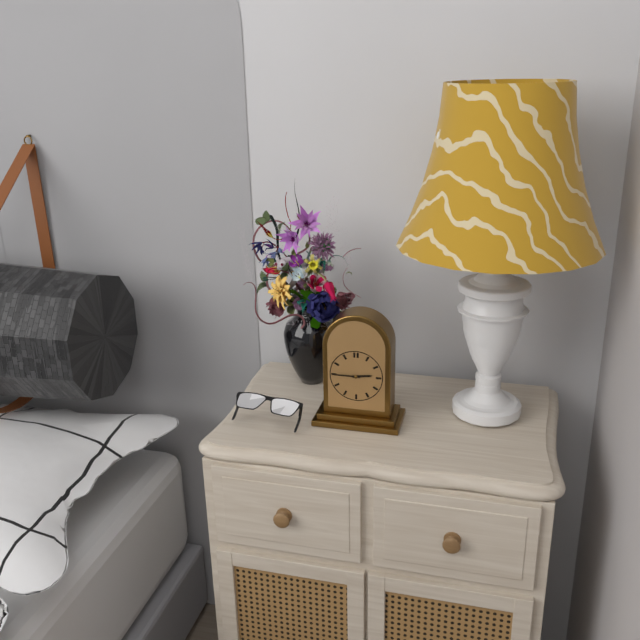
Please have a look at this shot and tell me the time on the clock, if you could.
2:45
